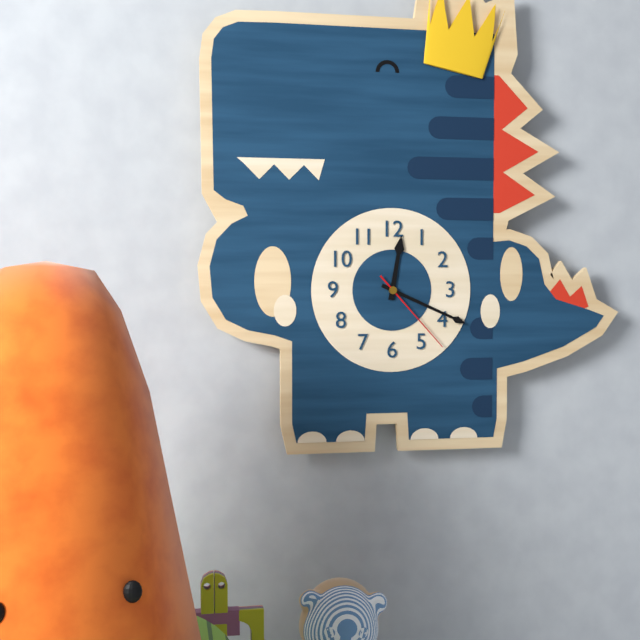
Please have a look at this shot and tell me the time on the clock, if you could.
12:19:23
